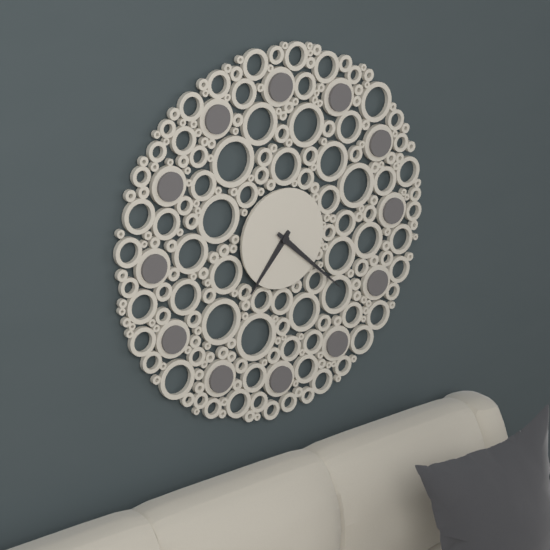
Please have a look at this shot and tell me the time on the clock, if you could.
7:22
